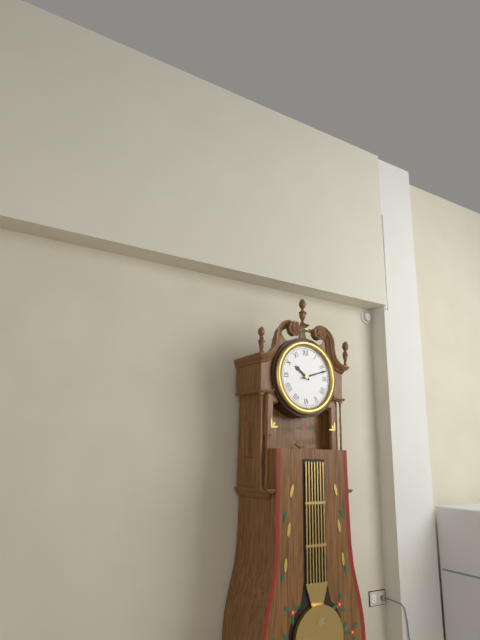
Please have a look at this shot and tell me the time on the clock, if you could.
10:12
